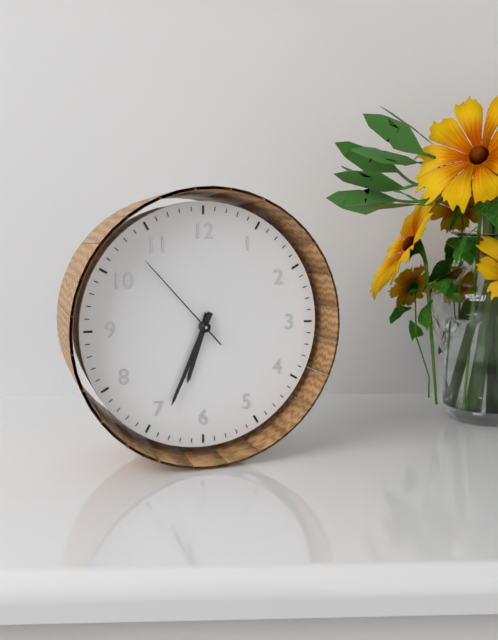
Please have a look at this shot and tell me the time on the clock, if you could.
6:34:53
